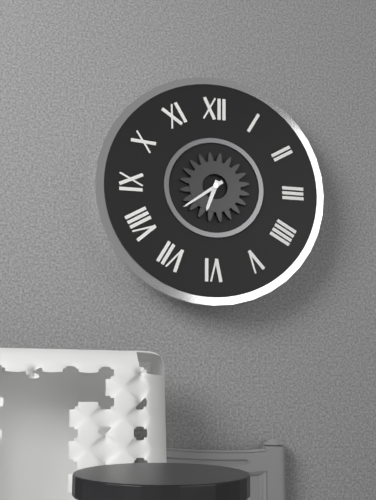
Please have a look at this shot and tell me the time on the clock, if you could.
6:39
